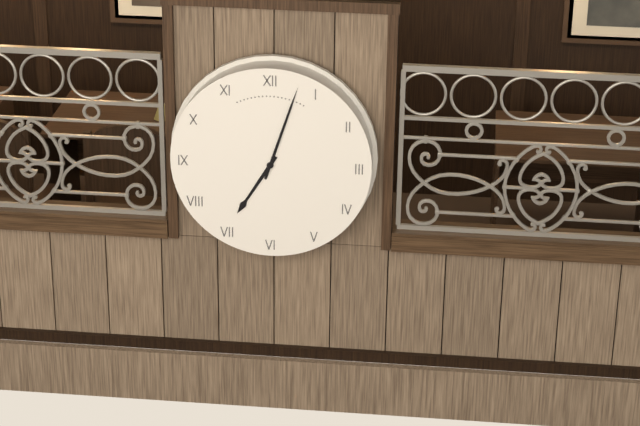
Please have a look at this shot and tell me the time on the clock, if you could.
7:03
